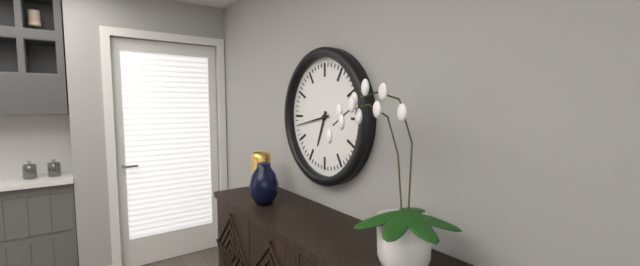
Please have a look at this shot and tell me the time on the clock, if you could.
6:43
